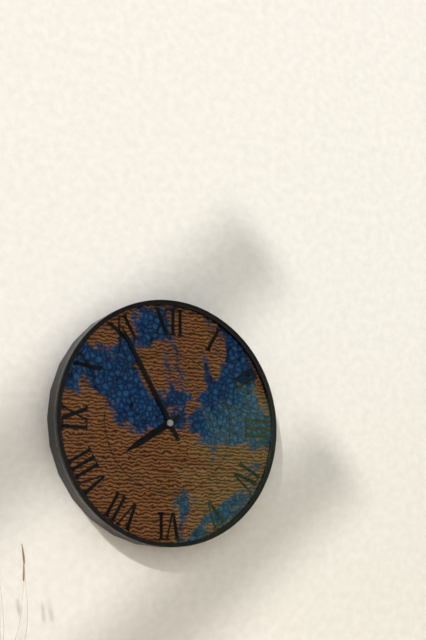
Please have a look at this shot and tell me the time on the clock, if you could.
7:55
